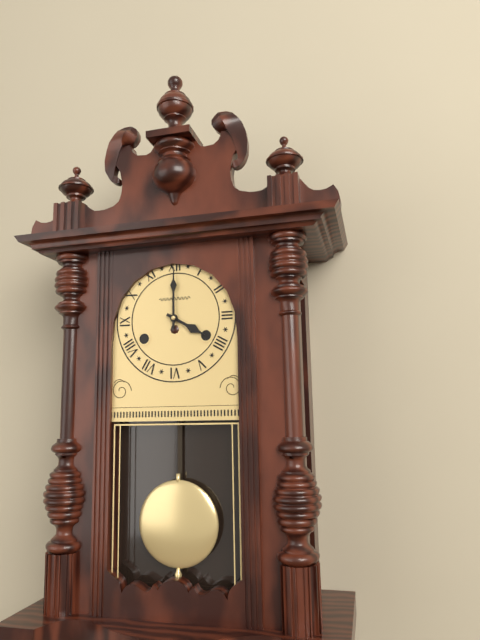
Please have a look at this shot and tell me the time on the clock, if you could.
4:00
